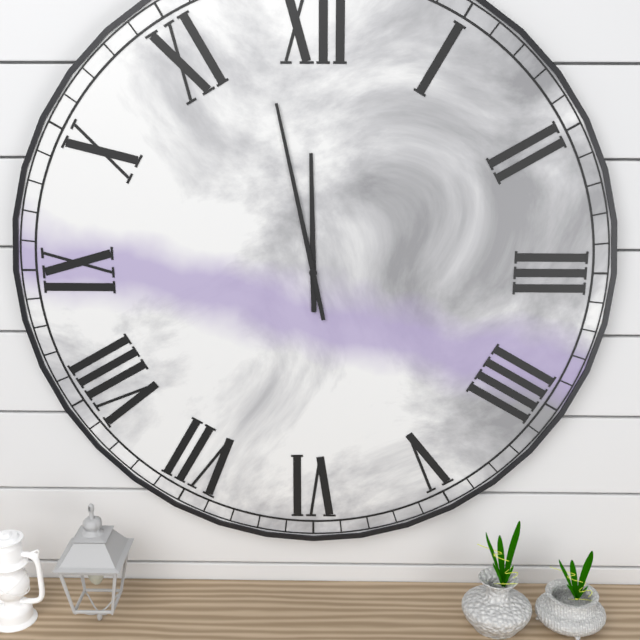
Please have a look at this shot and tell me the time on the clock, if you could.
11:58
